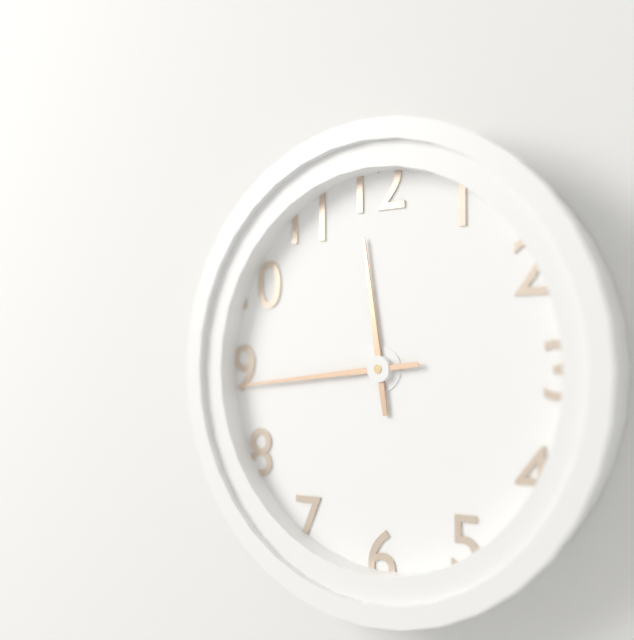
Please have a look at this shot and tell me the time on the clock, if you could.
11:44
